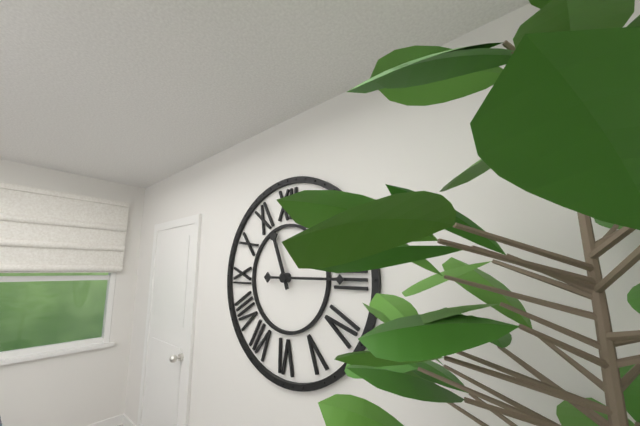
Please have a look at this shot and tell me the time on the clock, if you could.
11:15
